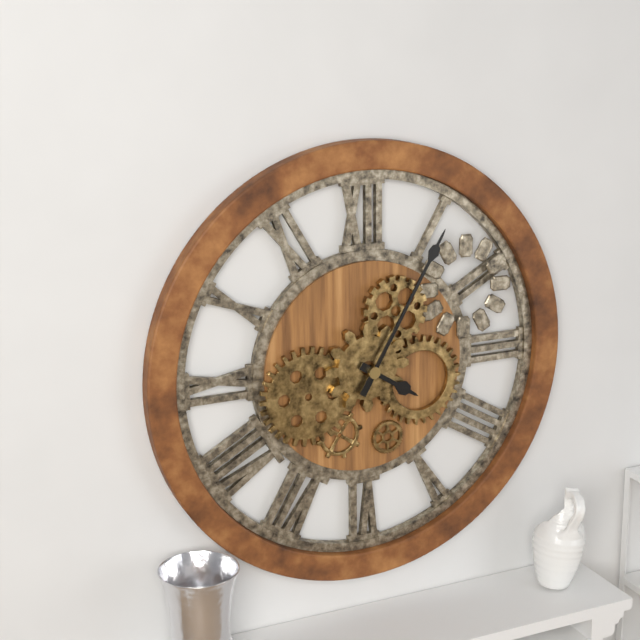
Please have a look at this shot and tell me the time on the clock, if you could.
4:05
